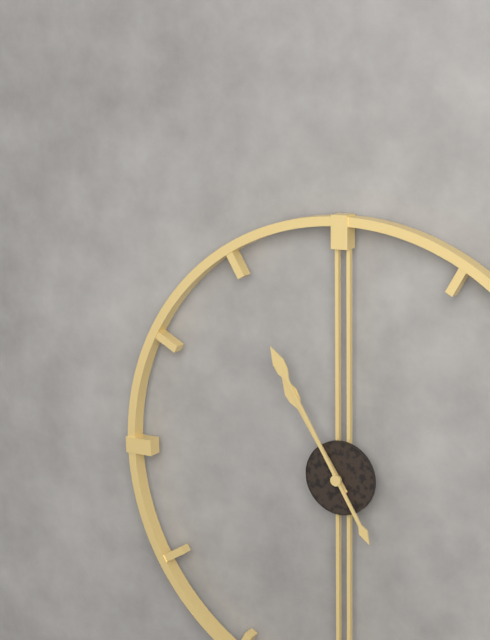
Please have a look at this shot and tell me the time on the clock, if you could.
10:55
